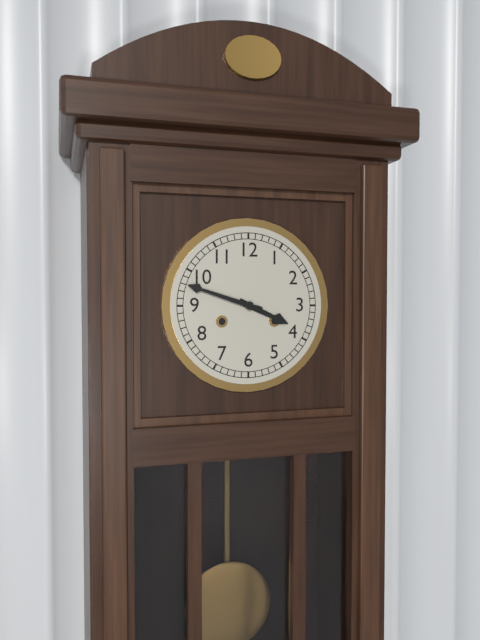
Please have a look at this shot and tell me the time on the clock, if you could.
3:48
